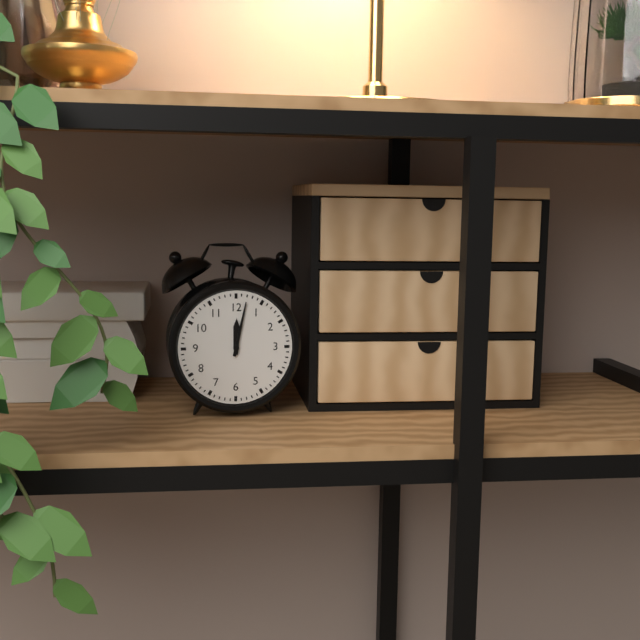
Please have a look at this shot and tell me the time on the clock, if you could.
12:02
